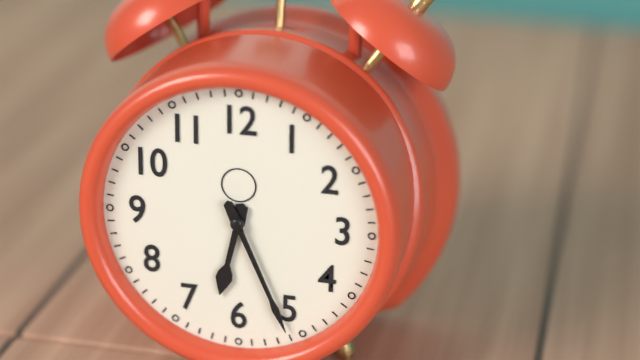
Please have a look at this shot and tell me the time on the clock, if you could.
6:26
